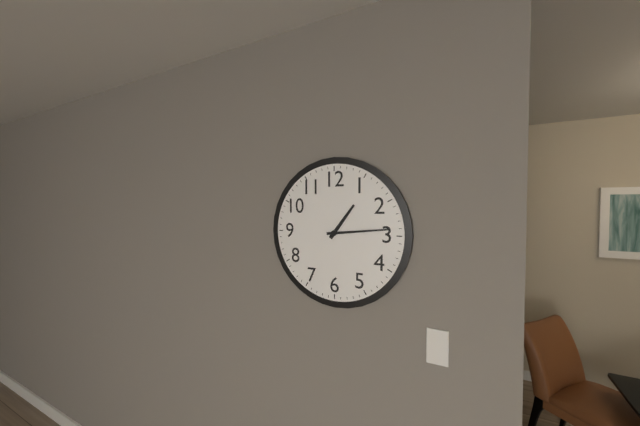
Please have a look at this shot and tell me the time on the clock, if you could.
1:14
